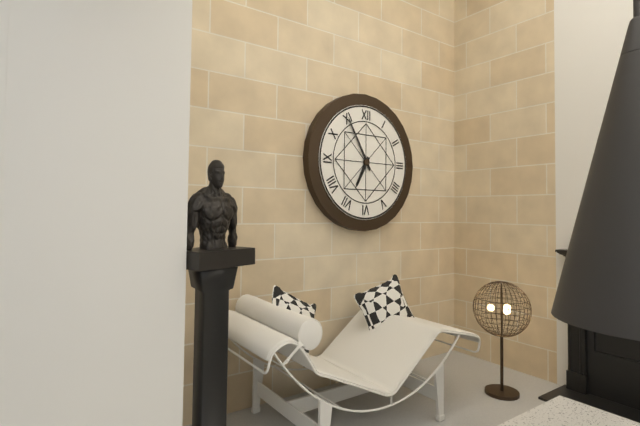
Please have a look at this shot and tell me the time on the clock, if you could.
6:55
